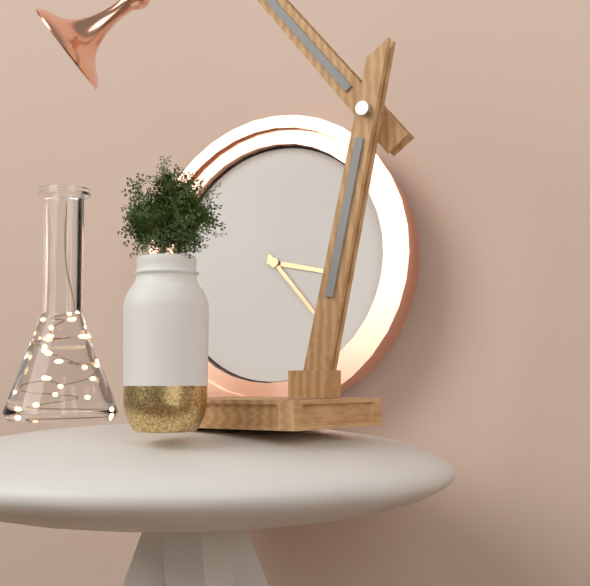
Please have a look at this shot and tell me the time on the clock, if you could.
3:23
